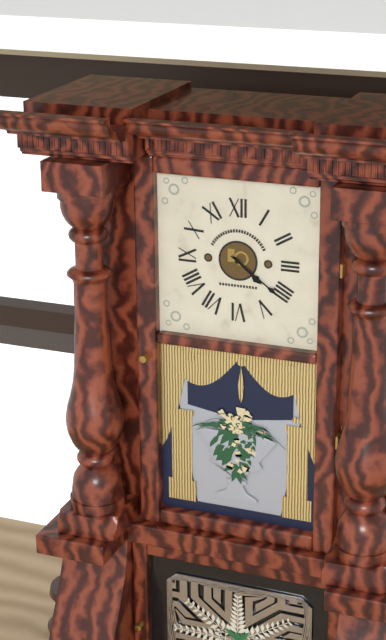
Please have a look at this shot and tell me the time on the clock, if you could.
4:21
